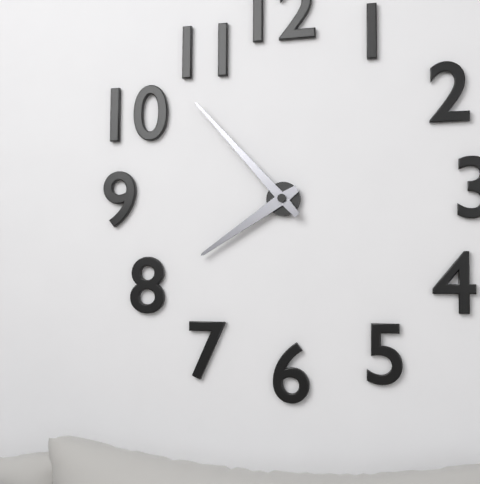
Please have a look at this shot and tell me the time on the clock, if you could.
7:53
